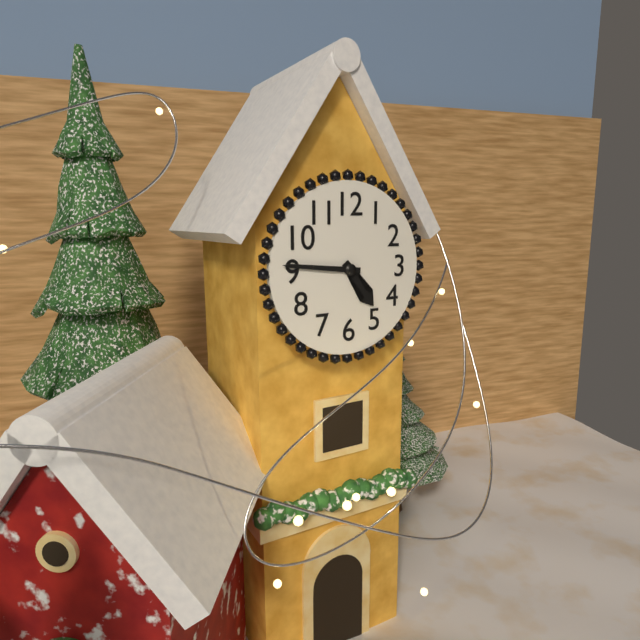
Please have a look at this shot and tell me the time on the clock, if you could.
4:46
